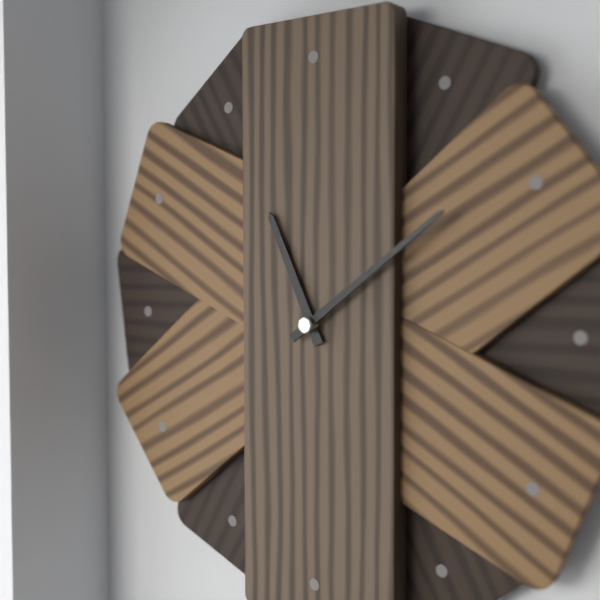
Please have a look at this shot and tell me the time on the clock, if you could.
11:09
